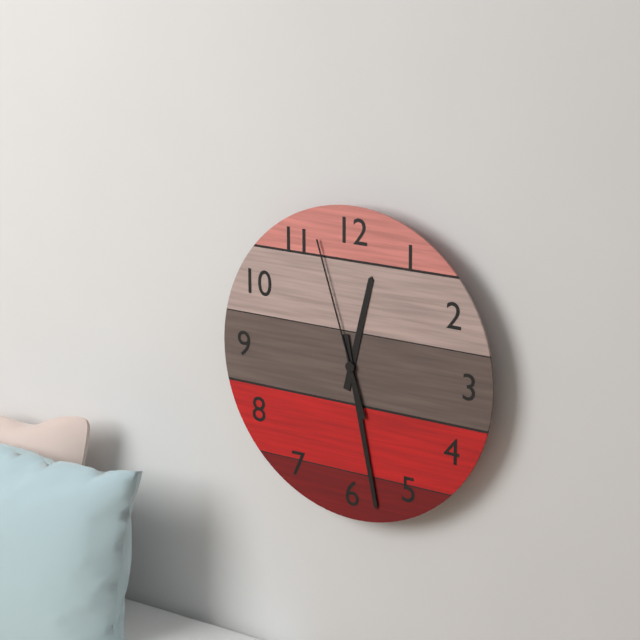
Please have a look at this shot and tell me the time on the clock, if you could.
12:28:57
